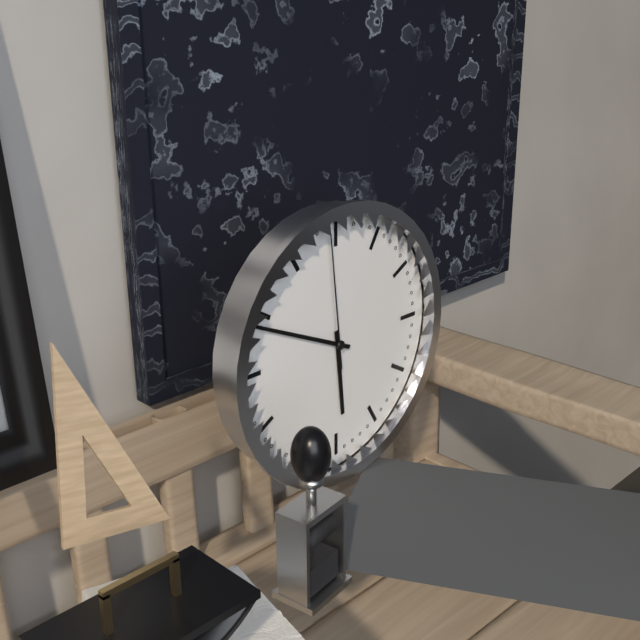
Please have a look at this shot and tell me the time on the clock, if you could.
5:49:59
